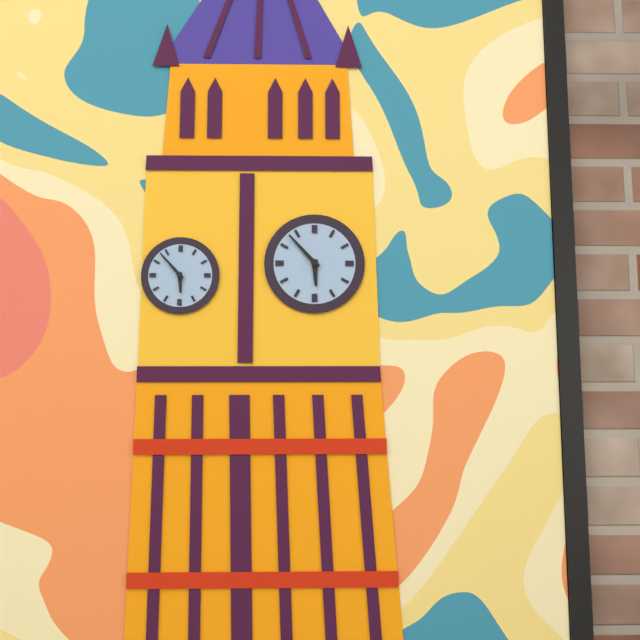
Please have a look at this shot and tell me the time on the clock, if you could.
5:53
